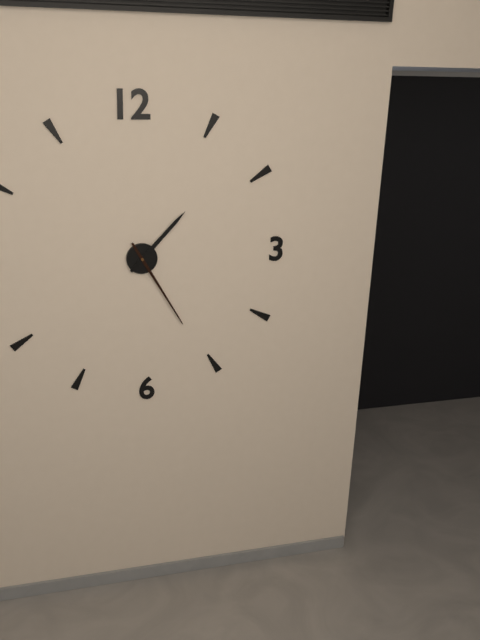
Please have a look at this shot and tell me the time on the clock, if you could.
1:25
